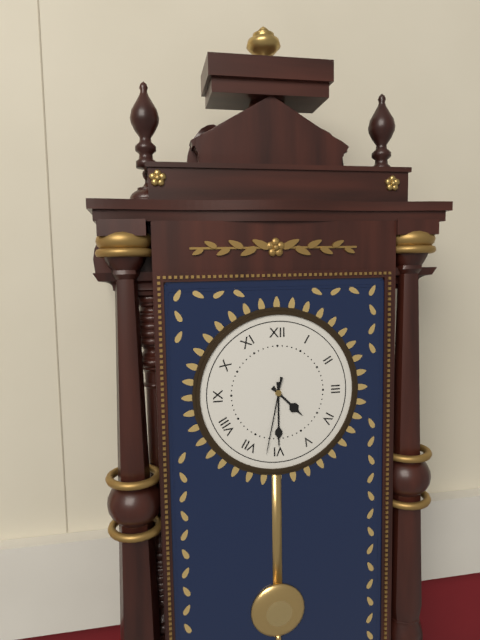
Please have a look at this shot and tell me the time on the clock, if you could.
4:30:32
